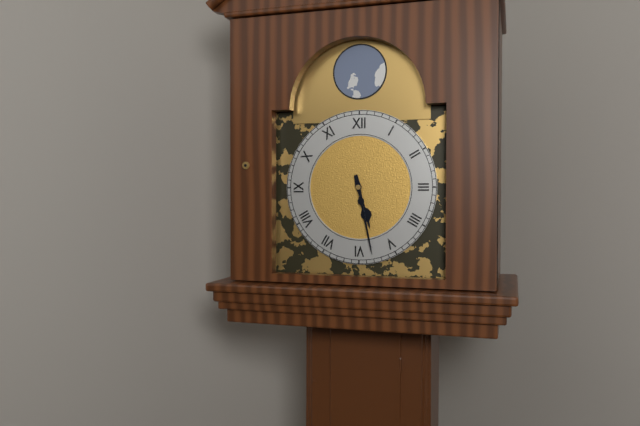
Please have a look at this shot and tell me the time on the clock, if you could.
5:28
